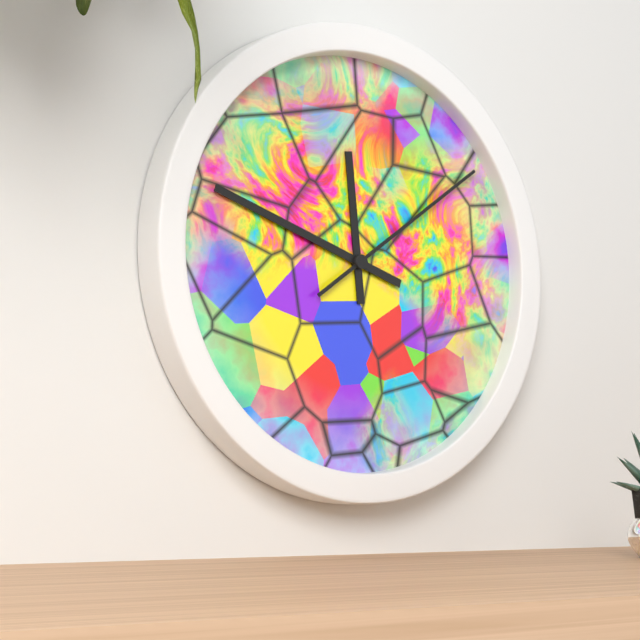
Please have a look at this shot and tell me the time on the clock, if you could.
11:48:09
